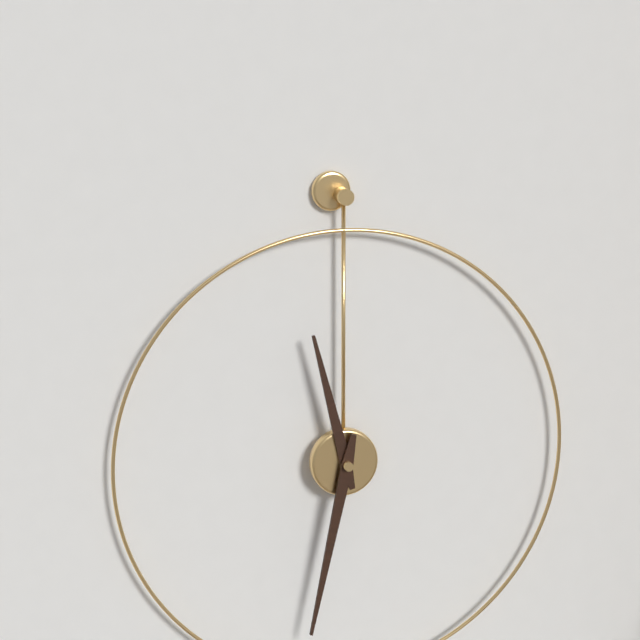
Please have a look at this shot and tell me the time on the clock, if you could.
11:32
